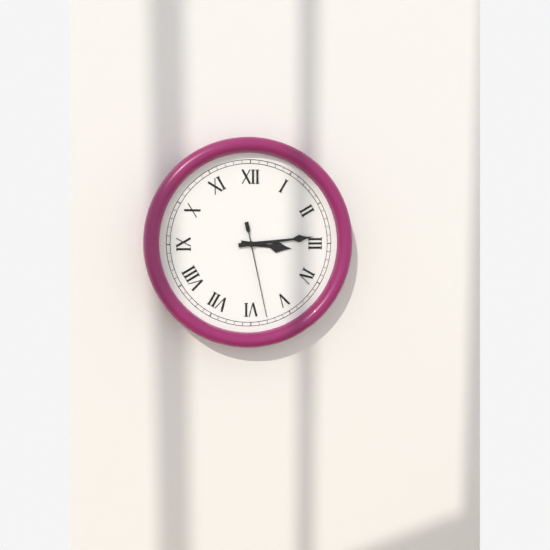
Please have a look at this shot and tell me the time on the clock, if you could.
3:14:28
